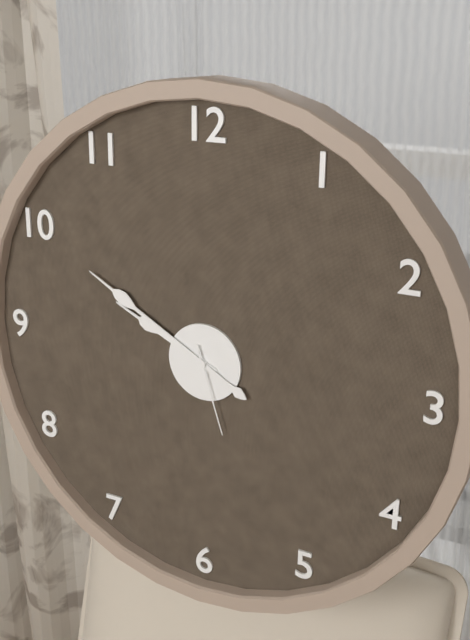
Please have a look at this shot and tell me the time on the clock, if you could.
9:50:27
